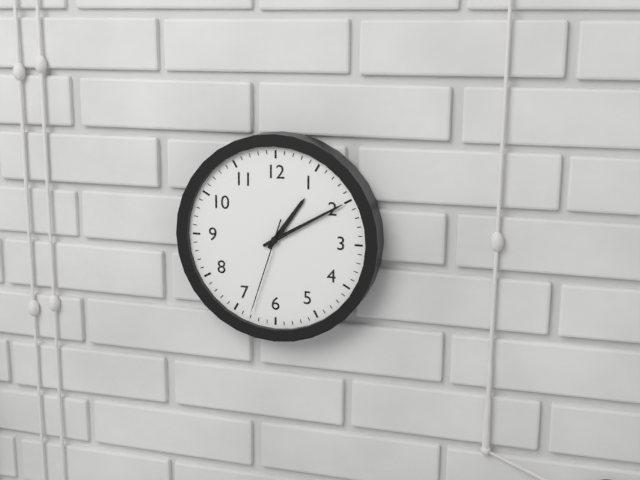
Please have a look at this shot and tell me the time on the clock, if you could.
1:10:33
